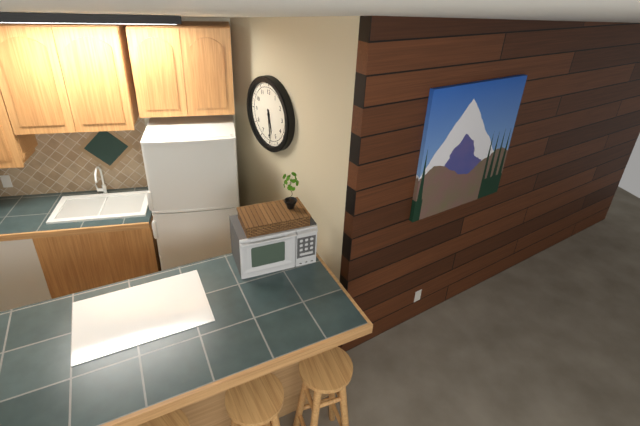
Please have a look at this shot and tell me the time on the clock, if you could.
5:29
